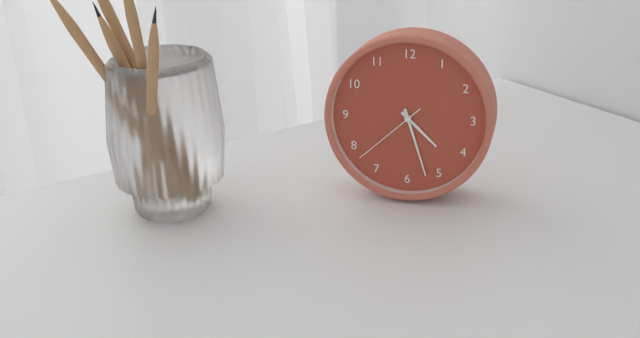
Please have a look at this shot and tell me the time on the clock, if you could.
4:27:38
